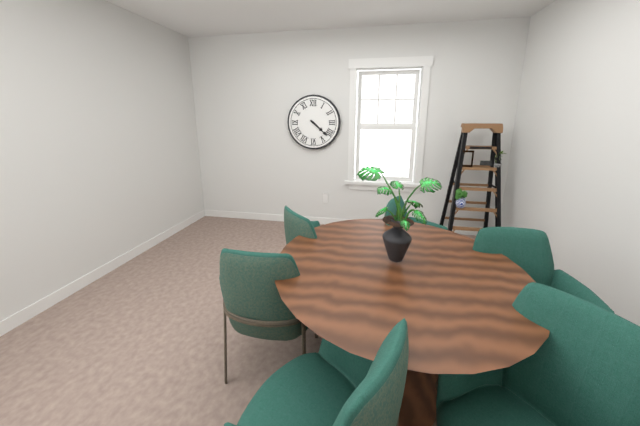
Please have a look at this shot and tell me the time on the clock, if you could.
4:22
